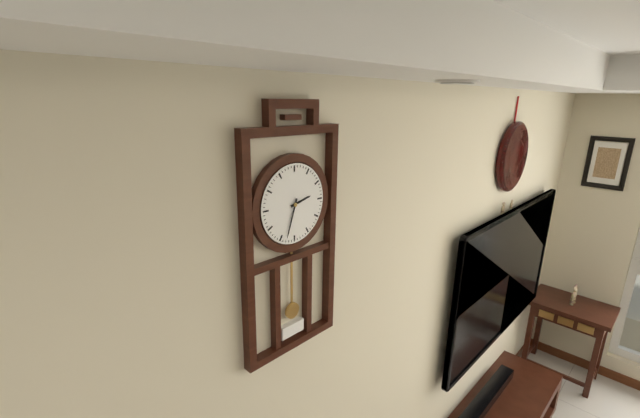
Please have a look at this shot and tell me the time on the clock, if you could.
2:33
